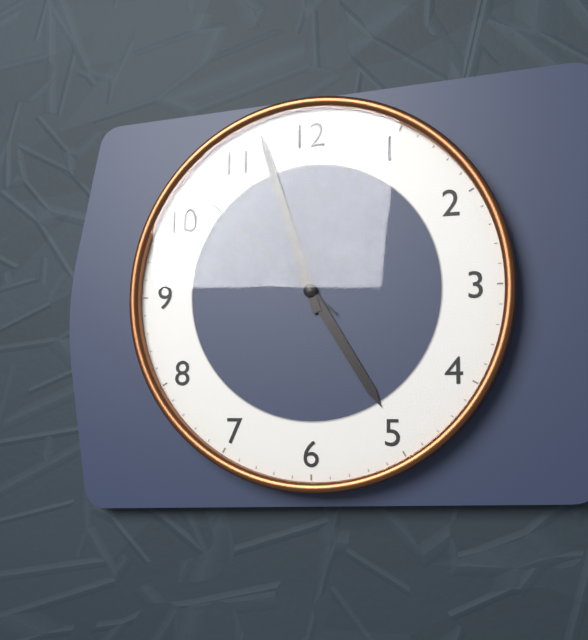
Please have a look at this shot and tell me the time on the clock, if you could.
4:57:52
